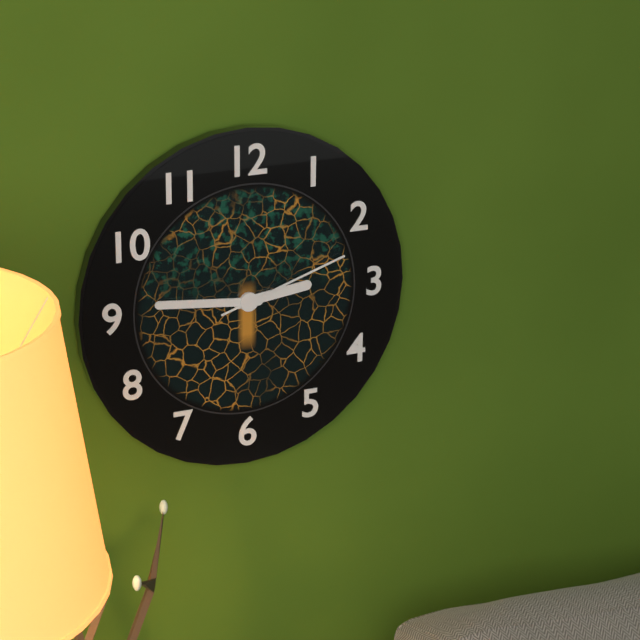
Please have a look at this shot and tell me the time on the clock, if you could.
2:46:12
